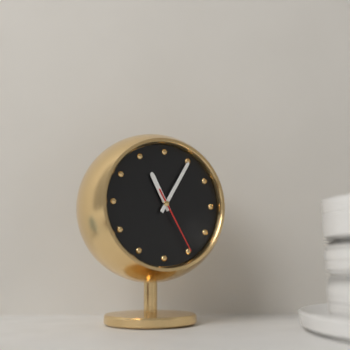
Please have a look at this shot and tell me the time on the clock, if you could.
11:05:25
